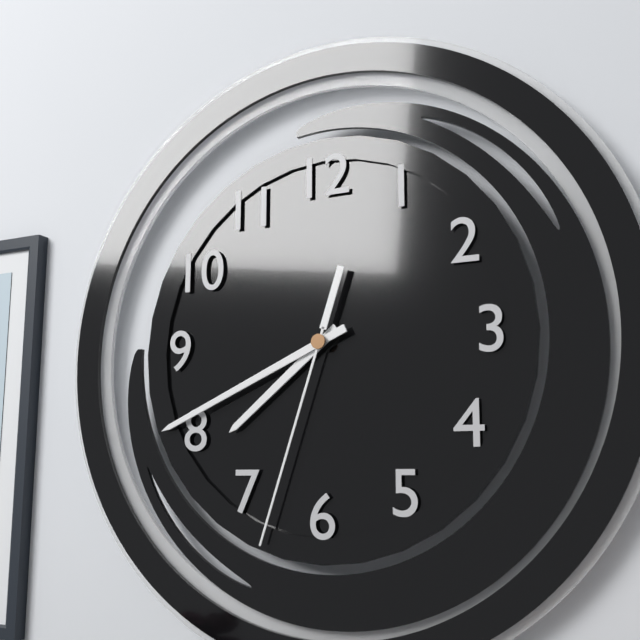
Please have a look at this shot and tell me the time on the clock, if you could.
7:41:33
